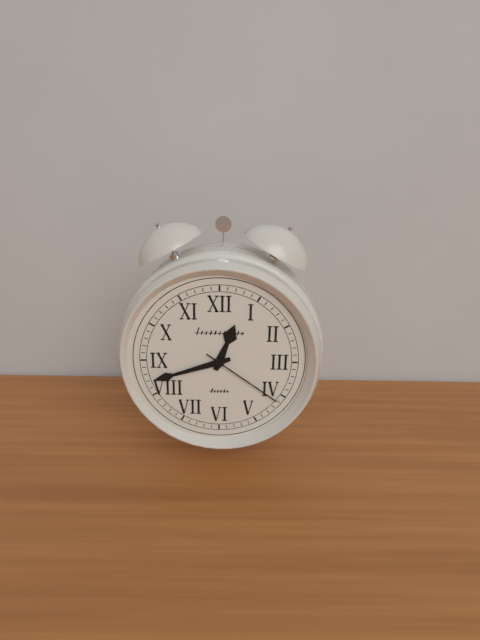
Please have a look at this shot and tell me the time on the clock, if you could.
12:42:21
